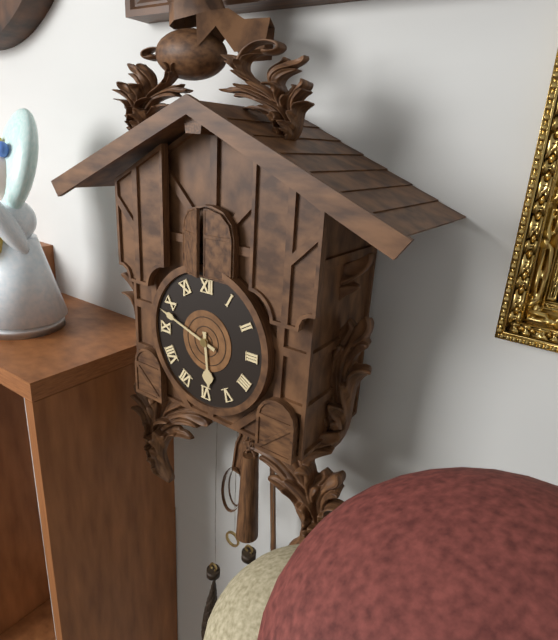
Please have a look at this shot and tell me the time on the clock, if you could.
5:48
